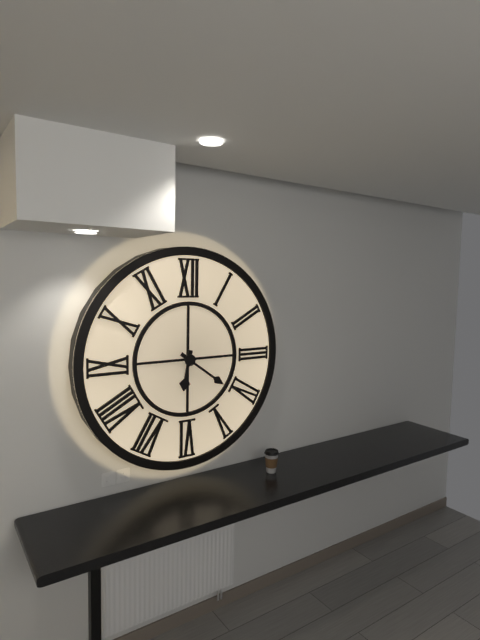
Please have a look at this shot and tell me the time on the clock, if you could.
6:21
